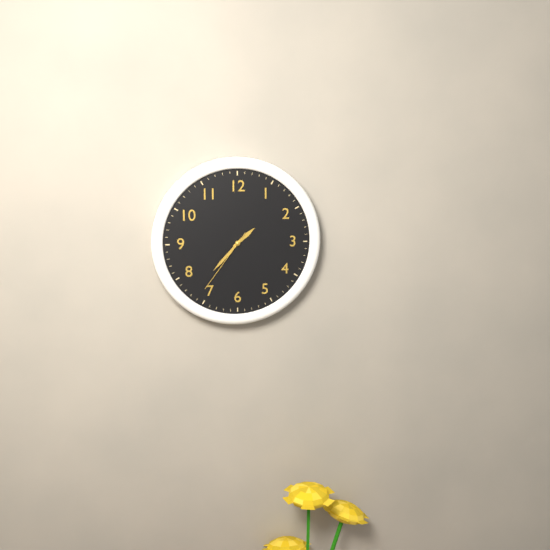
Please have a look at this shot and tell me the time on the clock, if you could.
1:37:36
